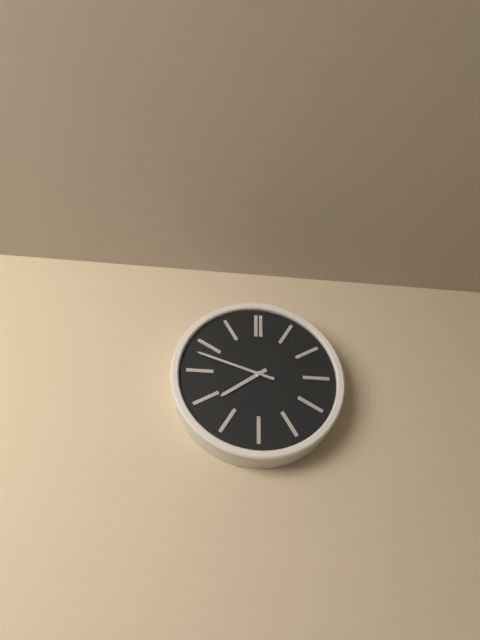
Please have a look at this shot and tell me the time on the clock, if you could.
7:48
